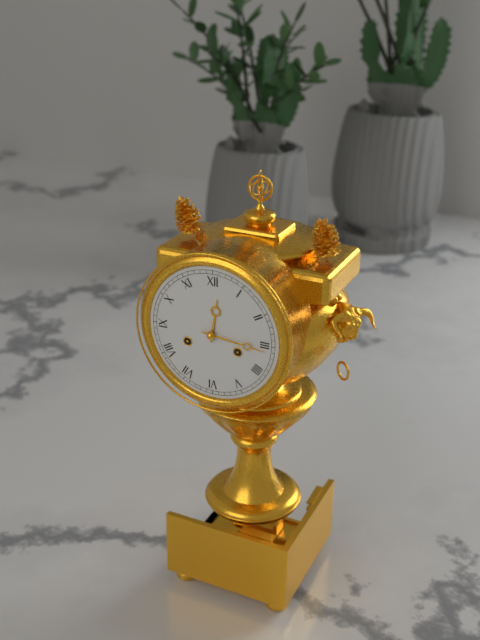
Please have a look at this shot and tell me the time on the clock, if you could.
12:16
